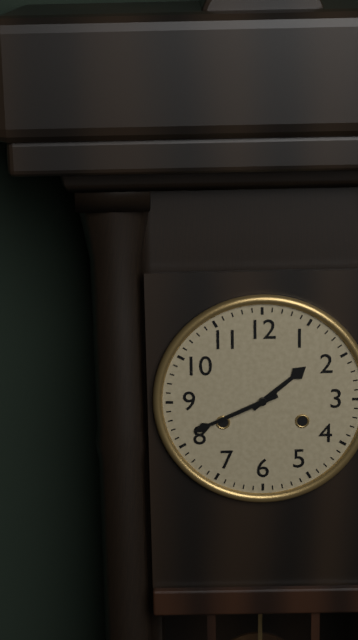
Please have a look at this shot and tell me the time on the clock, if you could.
1:41
